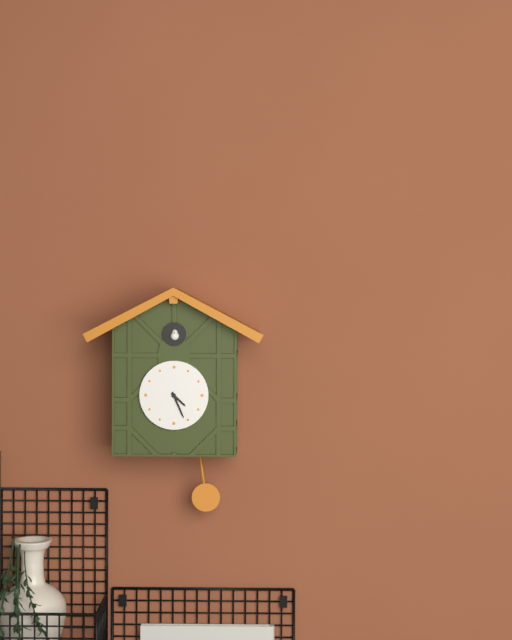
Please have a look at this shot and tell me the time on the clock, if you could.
4:26
